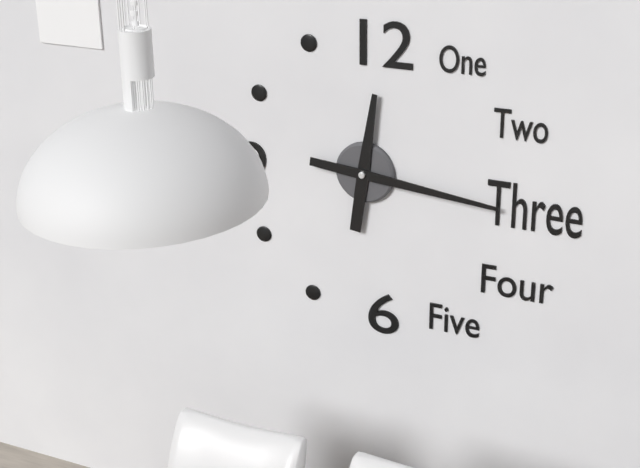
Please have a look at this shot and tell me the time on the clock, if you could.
12:16
